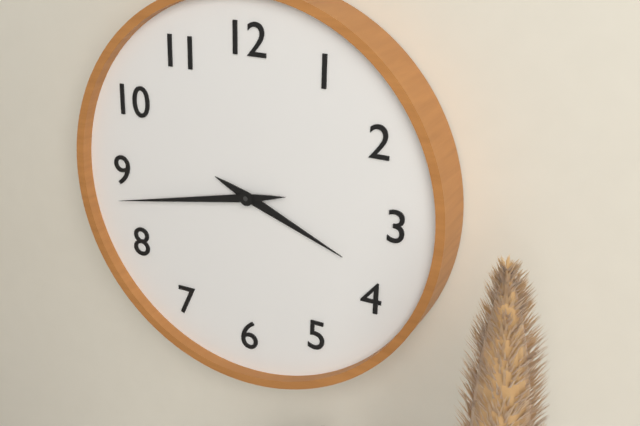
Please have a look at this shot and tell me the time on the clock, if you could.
3:43
